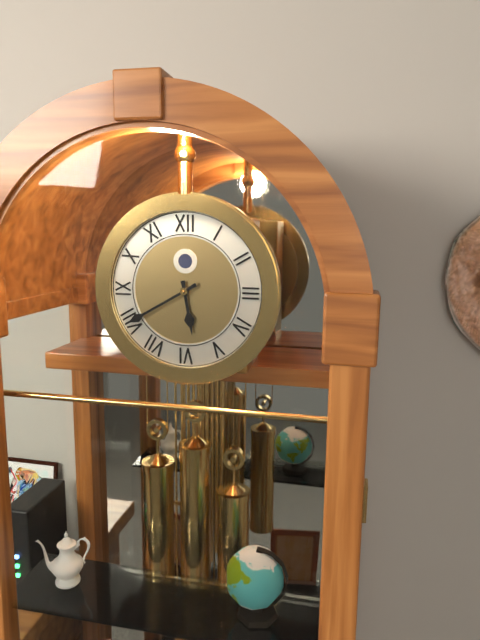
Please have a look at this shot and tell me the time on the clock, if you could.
5:40
